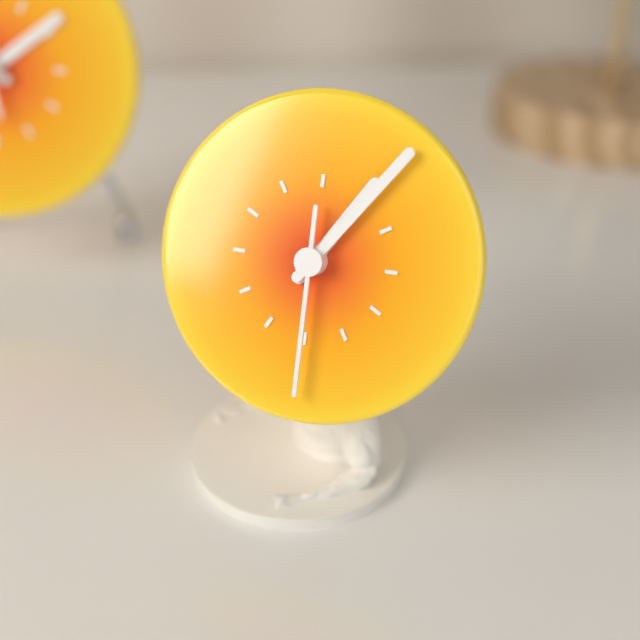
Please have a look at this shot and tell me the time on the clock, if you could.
1:06:30
